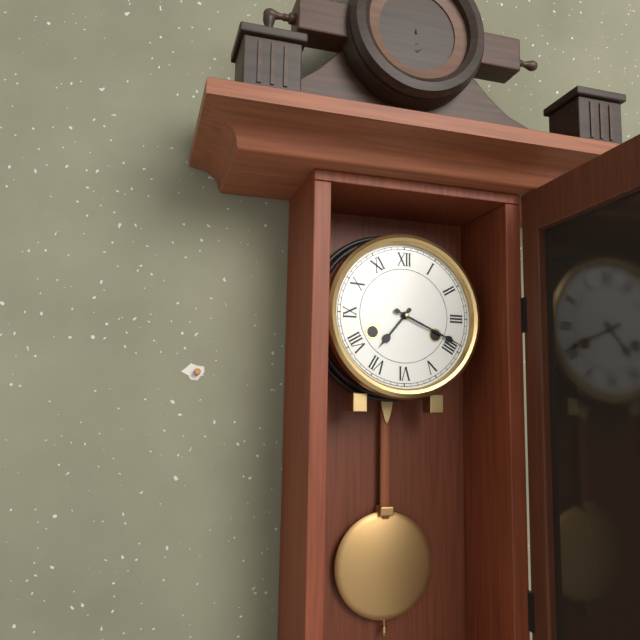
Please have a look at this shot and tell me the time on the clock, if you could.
7:19
